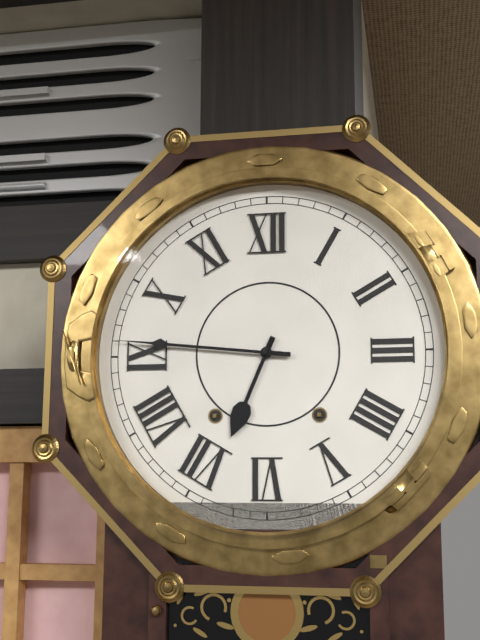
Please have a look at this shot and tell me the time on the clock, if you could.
6:46
